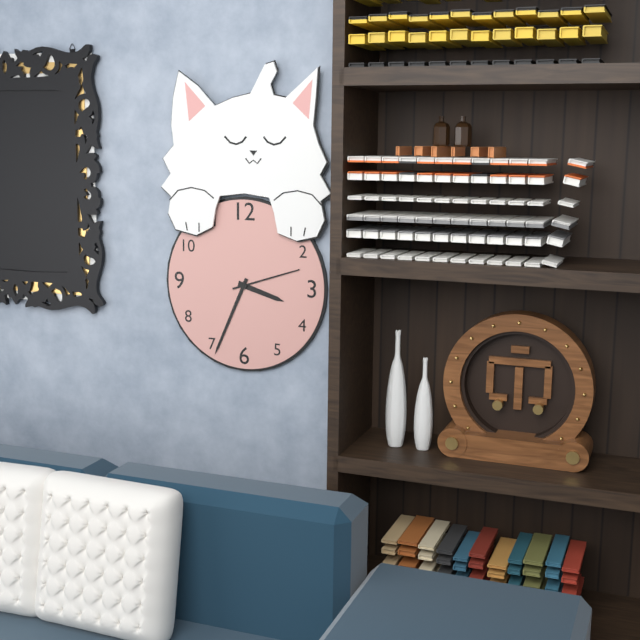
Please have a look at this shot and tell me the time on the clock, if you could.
3:34:12
